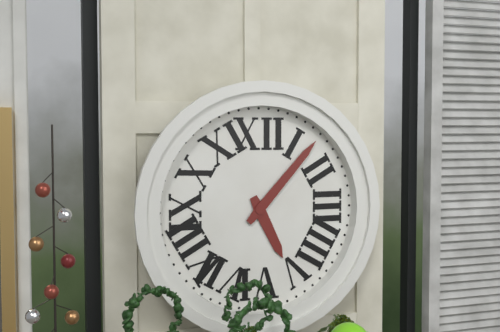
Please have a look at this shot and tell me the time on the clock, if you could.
5:07
